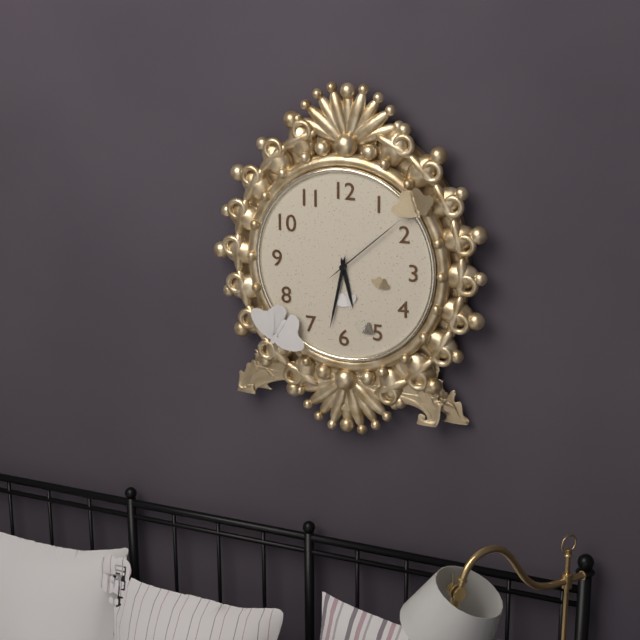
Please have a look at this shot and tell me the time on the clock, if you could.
5:32:08
